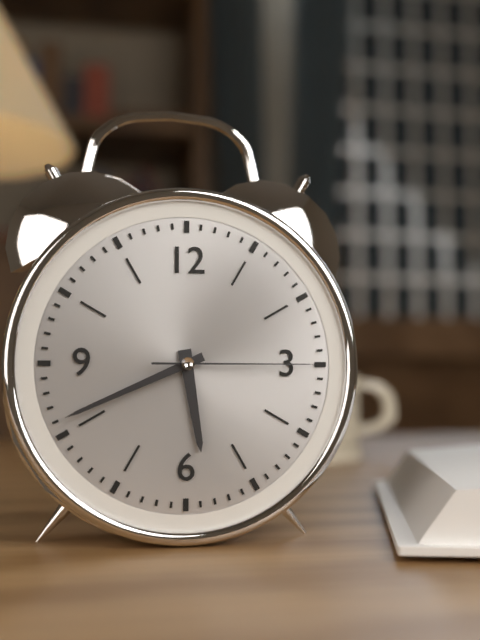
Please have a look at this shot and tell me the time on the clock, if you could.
5:41:15
